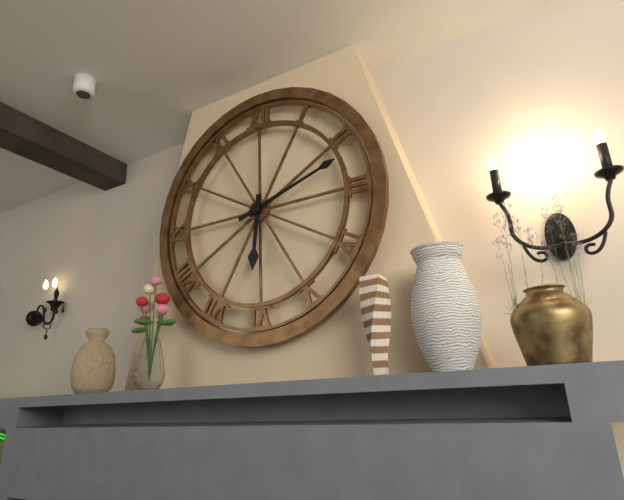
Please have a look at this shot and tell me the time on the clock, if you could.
6:12
